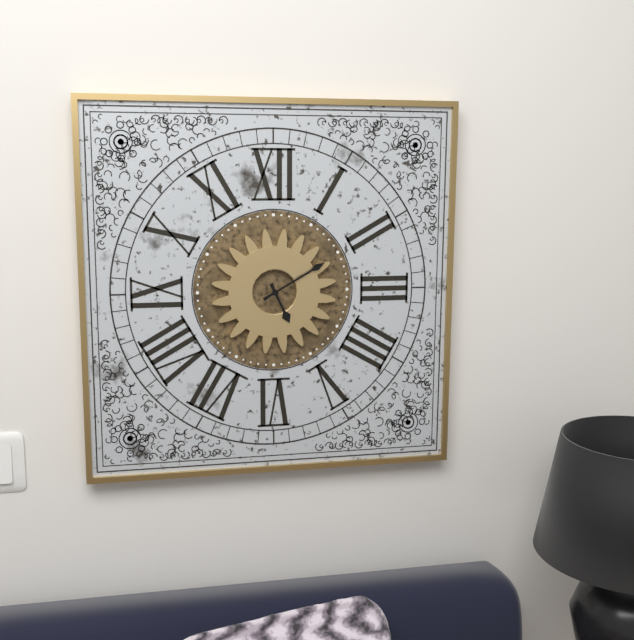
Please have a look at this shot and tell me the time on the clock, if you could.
5:10
